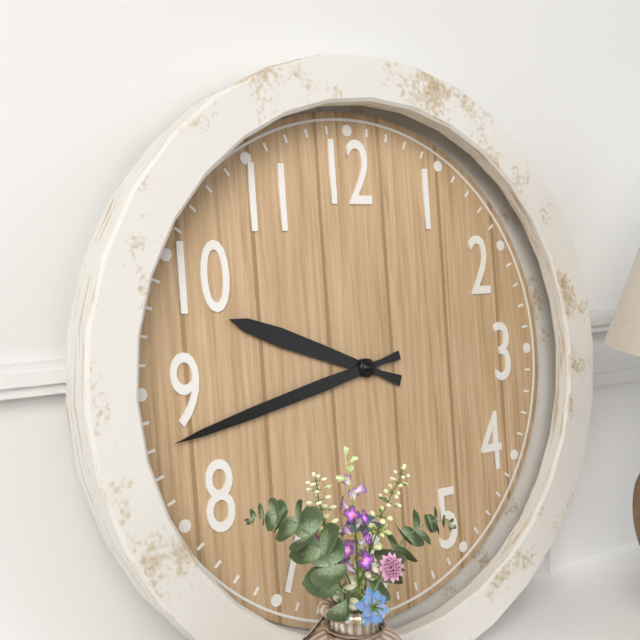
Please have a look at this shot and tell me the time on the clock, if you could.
9:43
